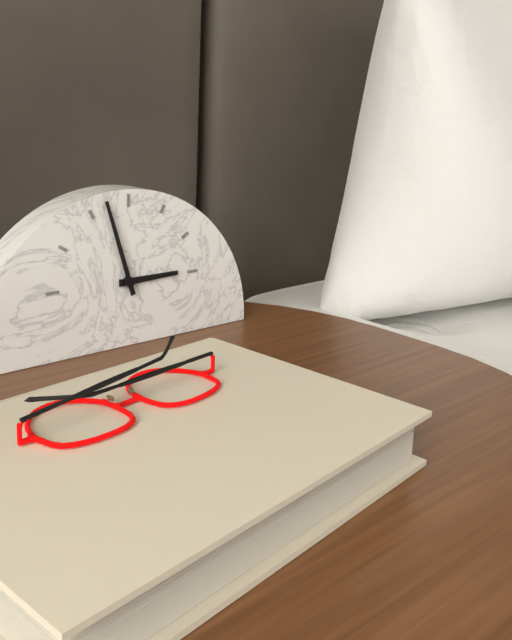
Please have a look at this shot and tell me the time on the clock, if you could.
2:57
